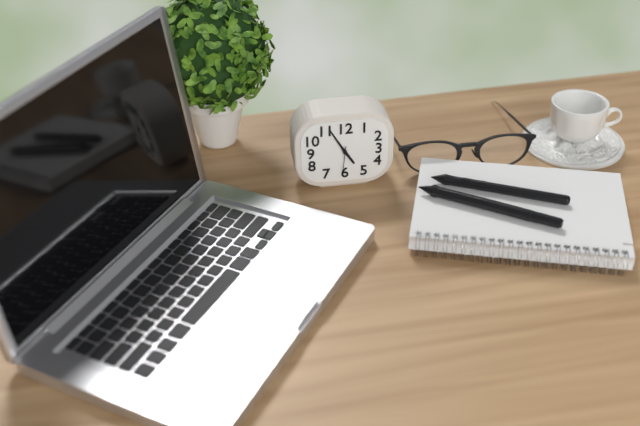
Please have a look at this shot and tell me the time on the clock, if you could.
4:55
